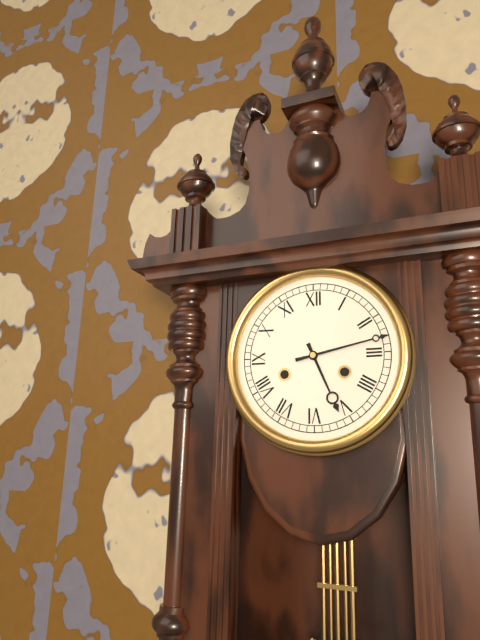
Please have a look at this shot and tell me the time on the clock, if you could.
5:13
